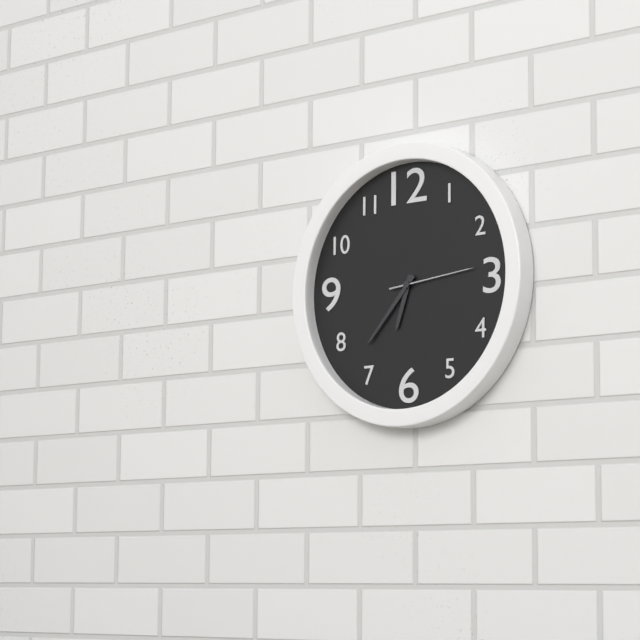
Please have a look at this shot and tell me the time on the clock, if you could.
6:37:14
